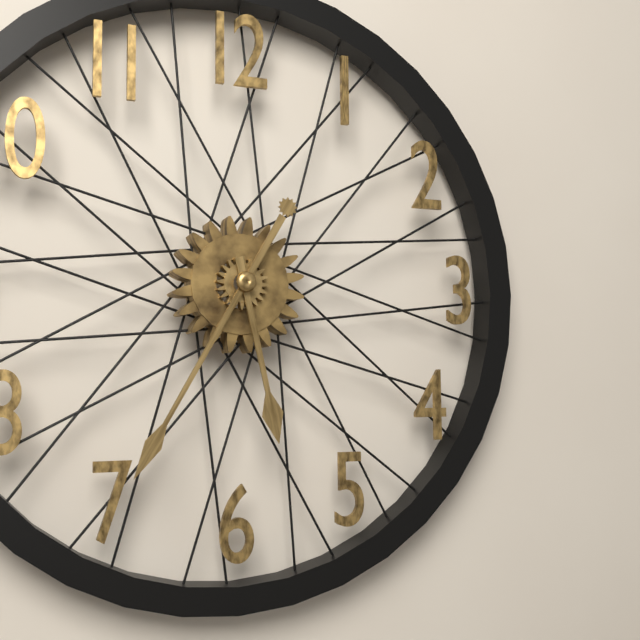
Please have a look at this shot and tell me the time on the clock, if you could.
5:35
